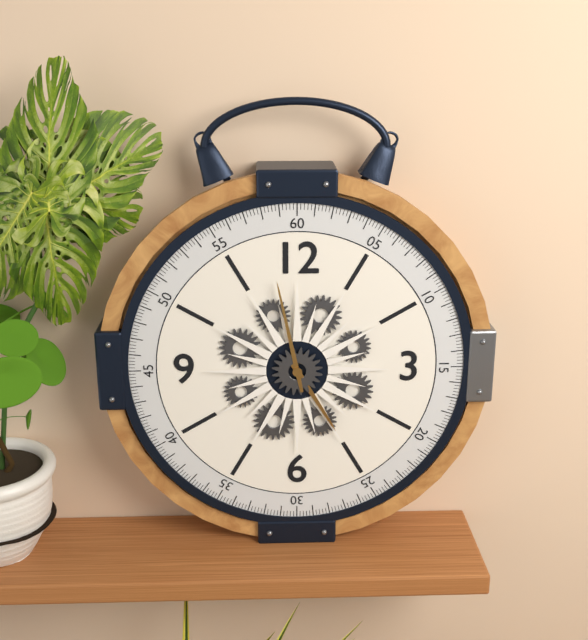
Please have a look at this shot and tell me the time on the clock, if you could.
4:58
